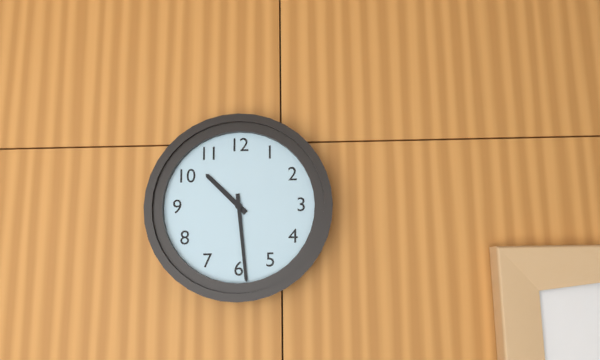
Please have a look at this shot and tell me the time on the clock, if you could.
10:29
